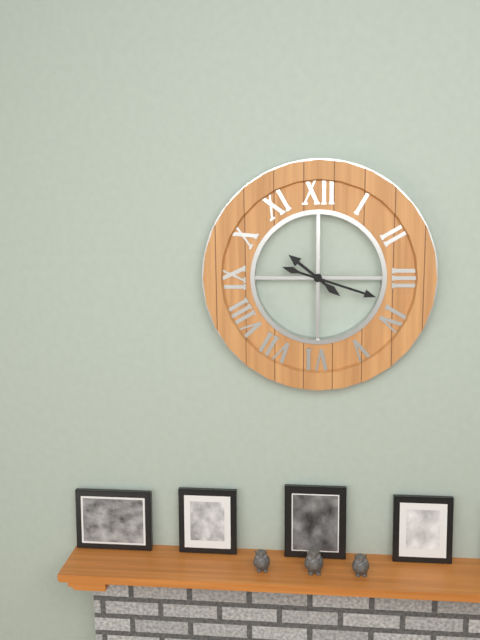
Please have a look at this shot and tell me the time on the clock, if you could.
10:18
